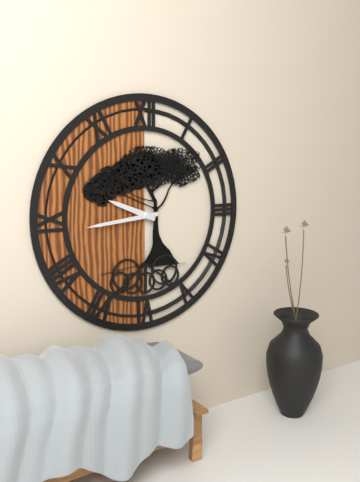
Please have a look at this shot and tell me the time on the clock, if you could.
9:44
